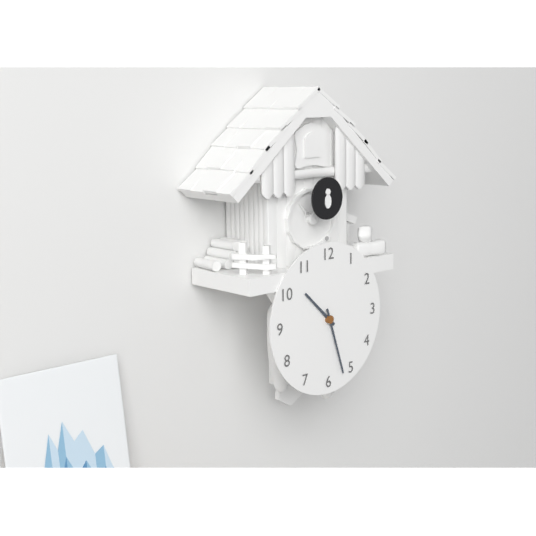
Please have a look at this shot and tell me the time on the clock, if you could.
10:27
